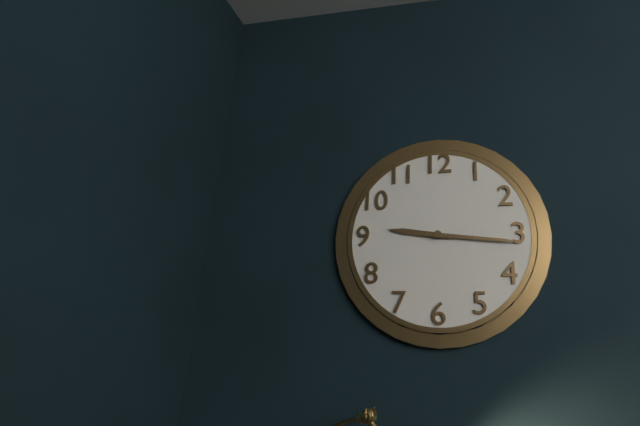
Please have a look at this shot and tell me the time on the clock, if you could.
9:16
